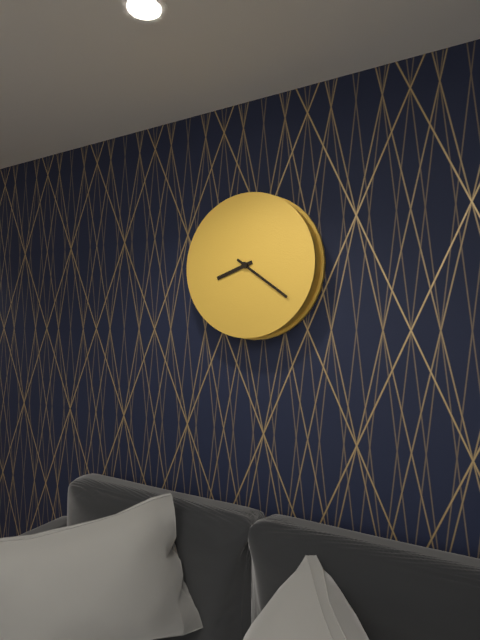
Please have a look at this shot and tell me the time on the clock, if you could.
8:21
